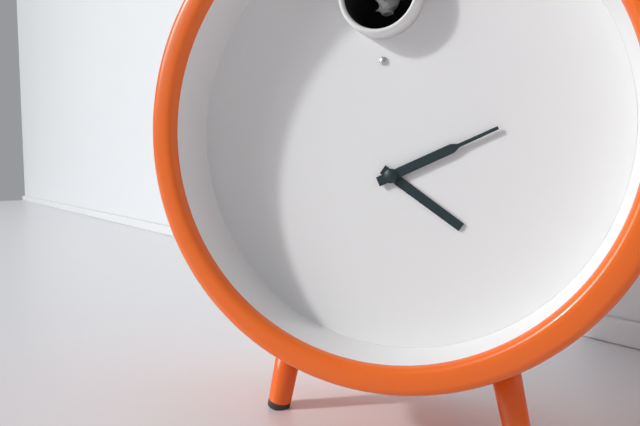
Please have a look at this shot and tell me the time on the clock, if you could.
4:11
